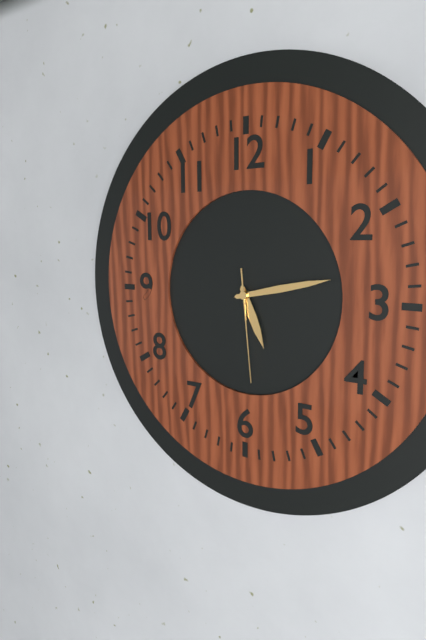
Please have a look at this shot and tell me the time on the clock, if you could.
5:13:29
